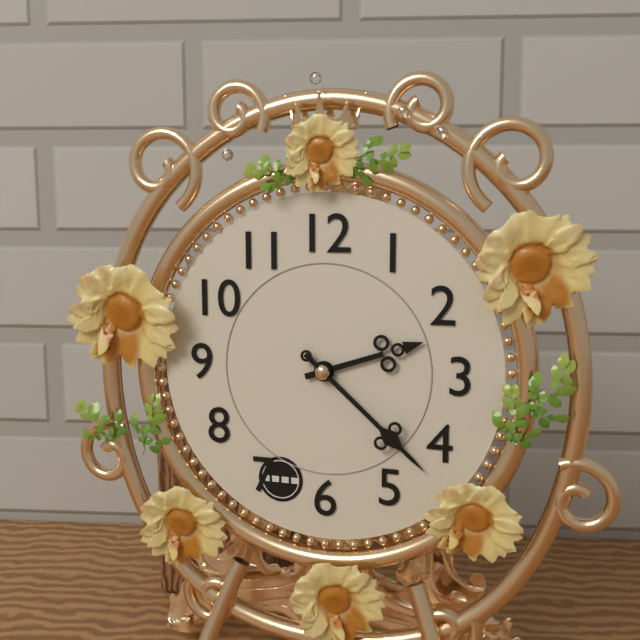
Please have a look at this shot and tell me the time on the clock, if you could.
2:22
